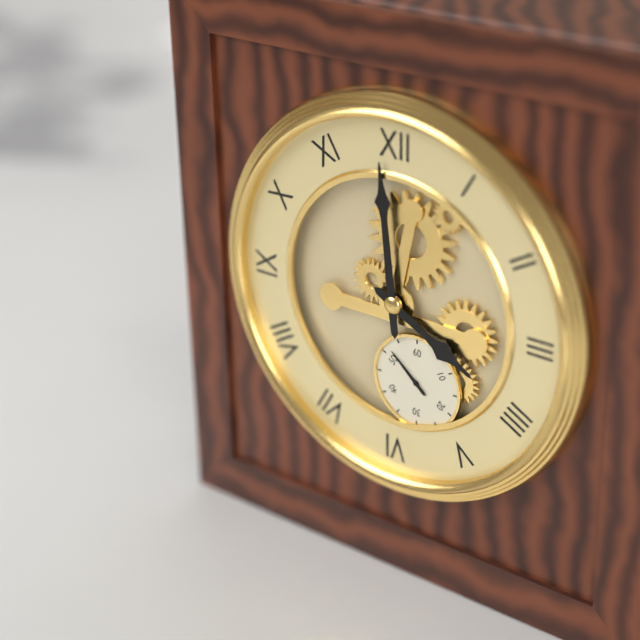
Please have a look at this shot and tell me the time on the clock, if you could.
3:59:52
